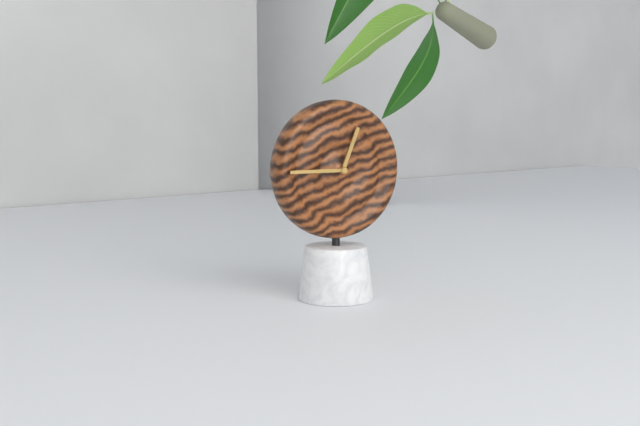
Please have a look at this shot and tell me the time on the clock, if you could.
12:45
